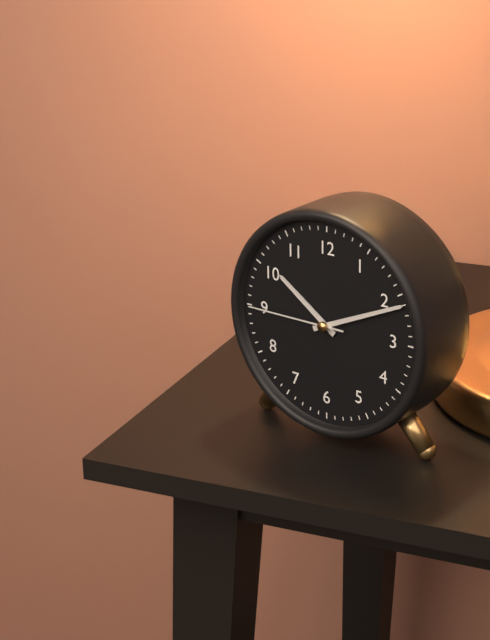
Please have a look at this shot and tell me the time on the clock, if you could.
10:11:45
